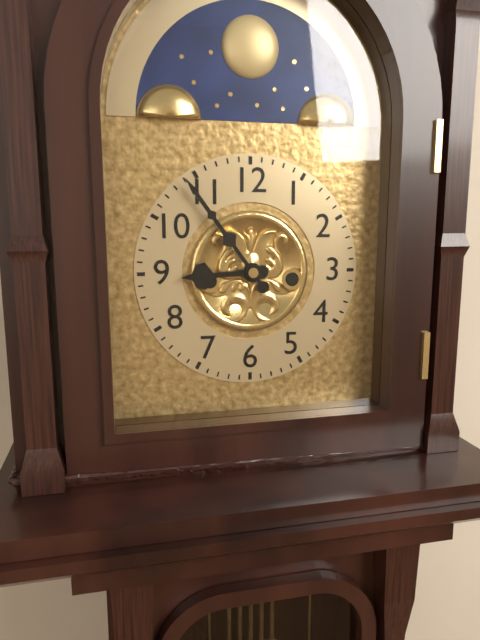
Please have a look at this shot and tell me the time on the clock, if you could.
8:54
